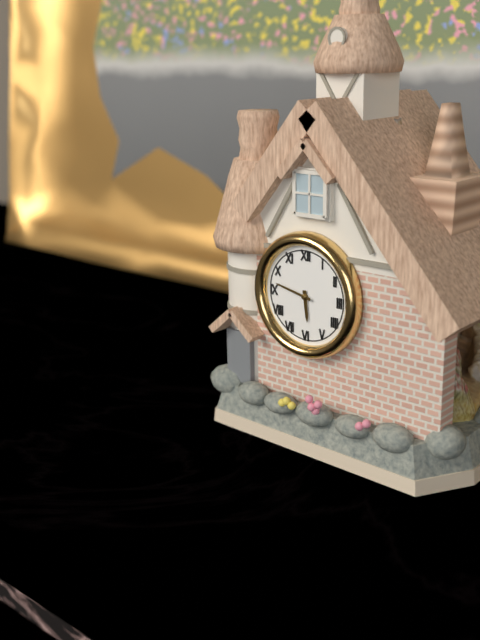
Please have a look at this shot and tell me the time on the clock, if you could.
5:47
